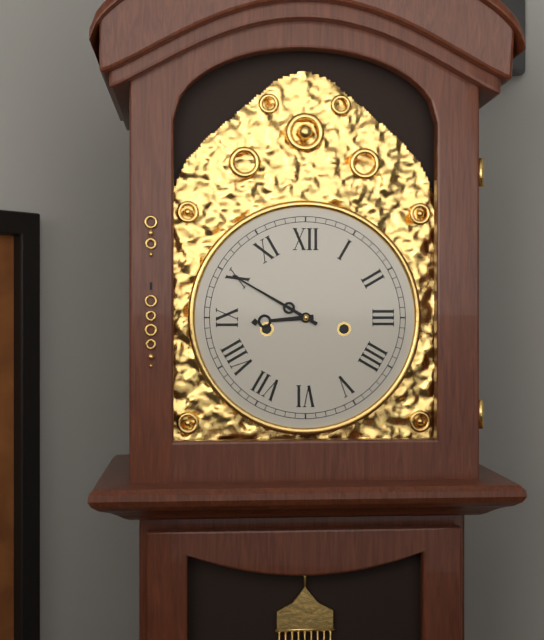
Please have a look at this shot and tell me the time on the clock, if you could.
8:50
